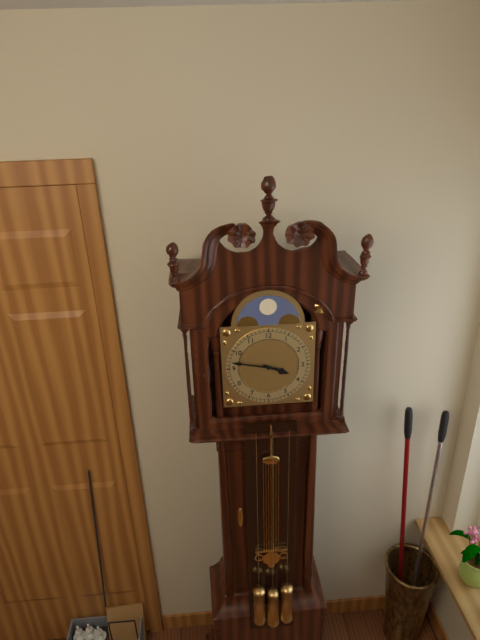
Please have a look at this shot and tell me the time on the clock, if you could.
3:47
